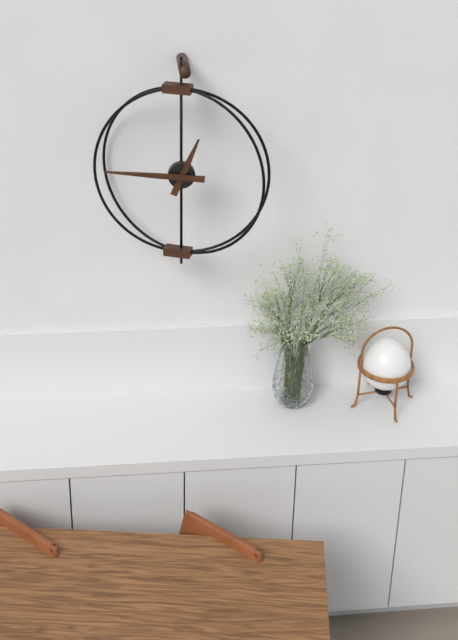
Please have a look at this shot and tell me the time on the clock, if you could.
12:46
